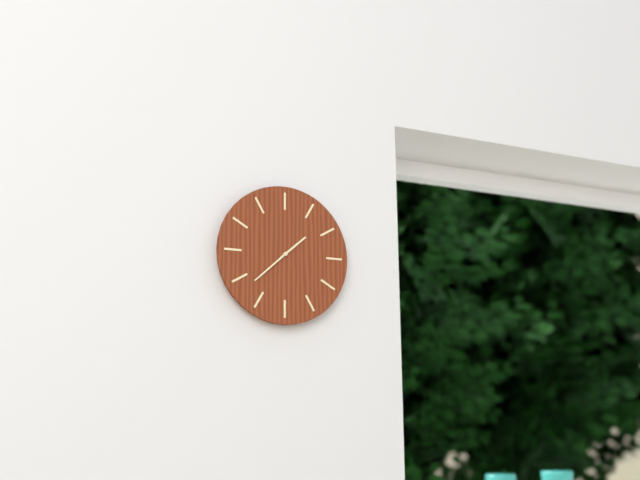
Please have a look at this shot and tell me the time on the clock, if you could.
1:38
